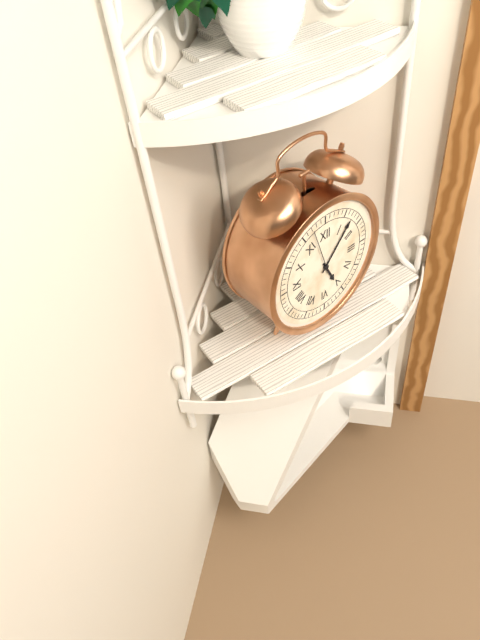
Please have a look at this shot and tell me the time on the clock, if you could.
5:07
